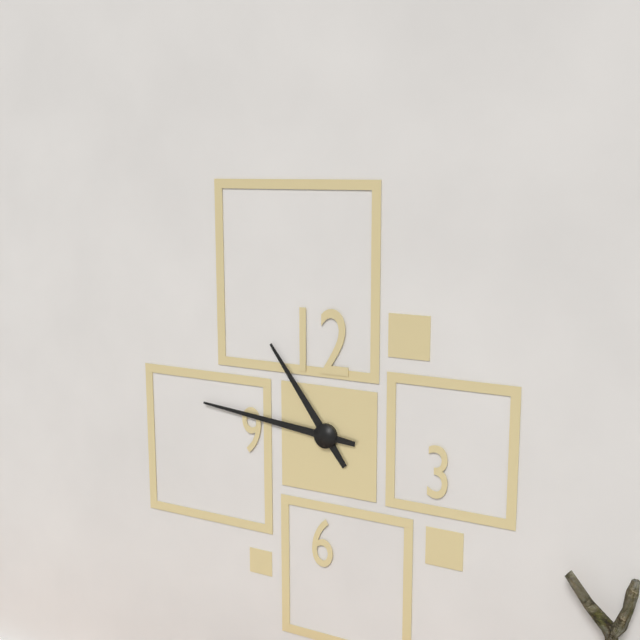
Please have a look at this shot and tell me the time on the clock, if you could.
10:46
